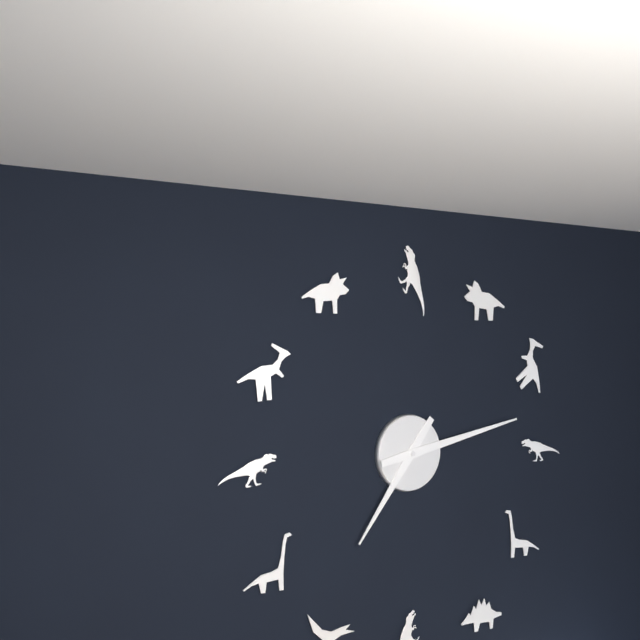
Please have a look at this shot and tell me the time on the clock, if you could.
7:13
